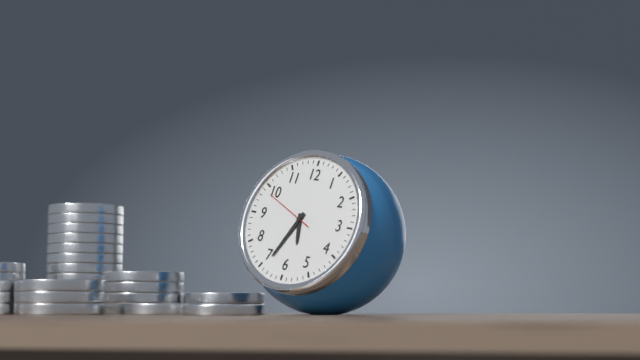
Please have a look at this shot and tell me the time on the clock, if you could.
5:34:49
